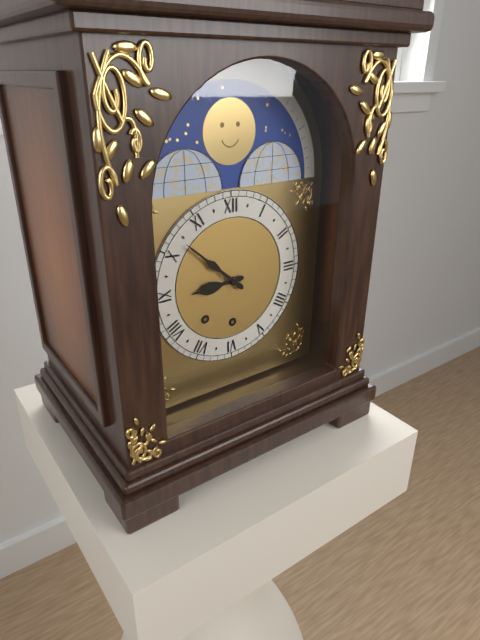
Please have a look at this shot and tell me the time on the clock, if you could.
8:52
